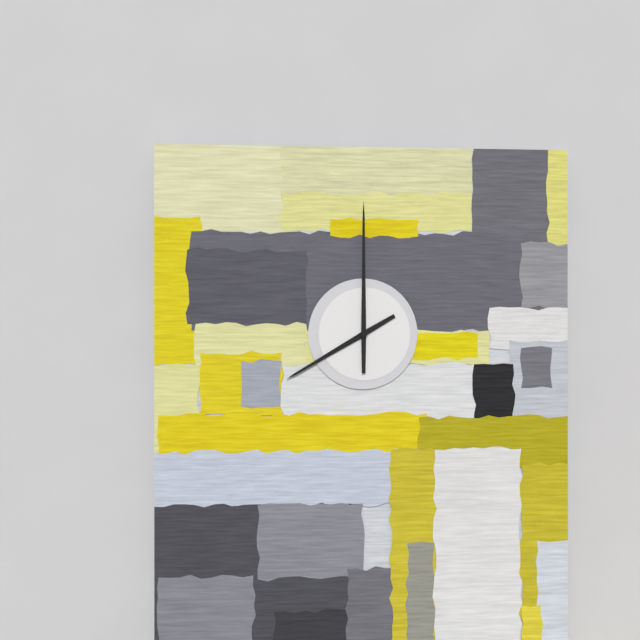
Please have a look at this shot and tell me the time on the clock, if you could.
8:00
